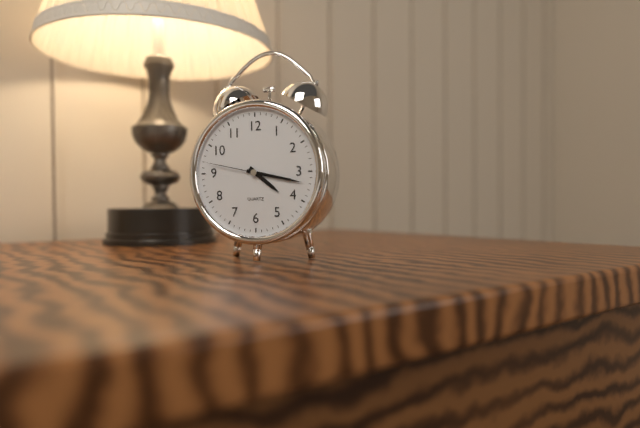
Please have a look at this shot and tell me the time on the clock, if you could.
4:17:47
